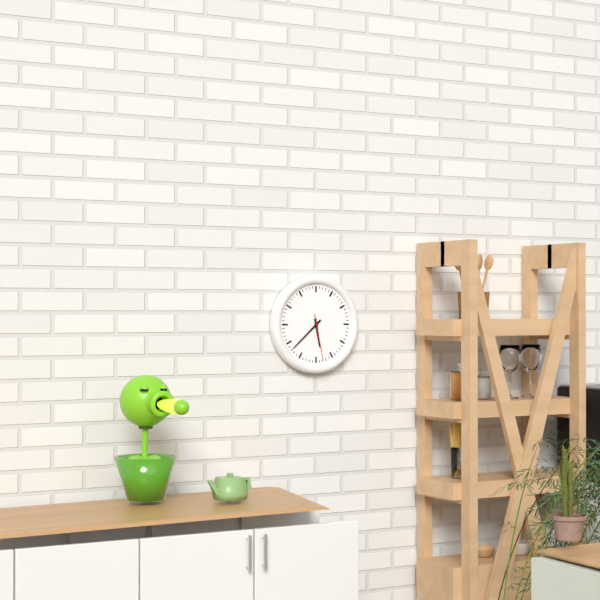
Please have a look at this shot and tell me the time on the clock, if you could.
5:38
